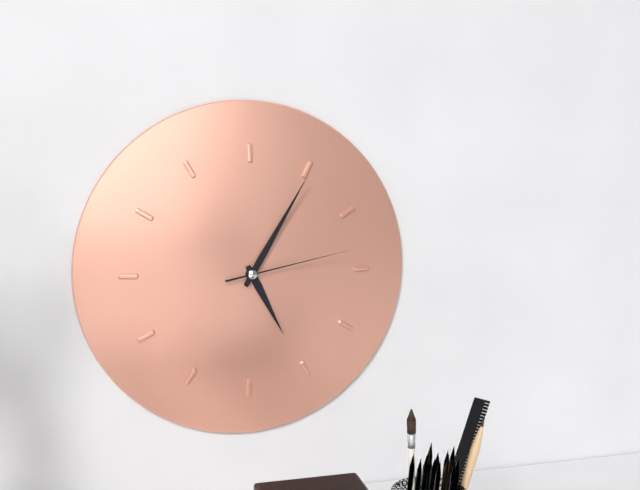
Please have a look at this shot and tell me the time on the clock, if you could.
5:05:13
